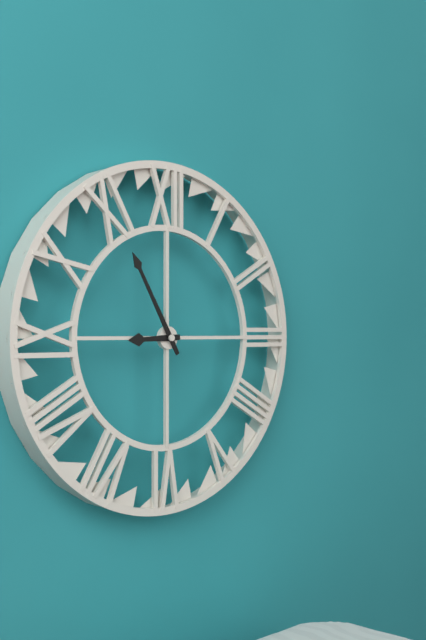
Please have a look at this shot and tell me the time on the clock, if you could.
8:55
